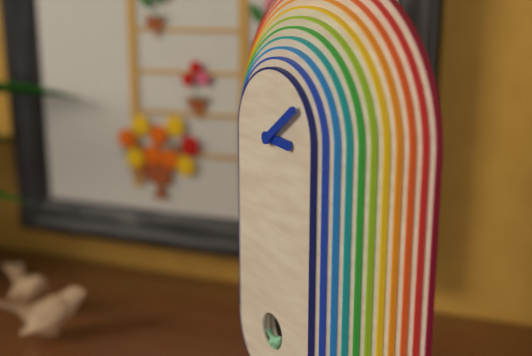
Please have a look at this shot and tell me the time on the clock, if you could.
3:09
